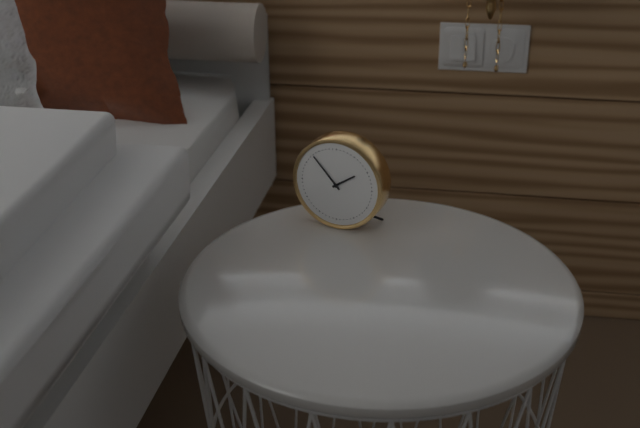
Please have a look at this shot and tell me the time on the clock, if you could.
1:53
